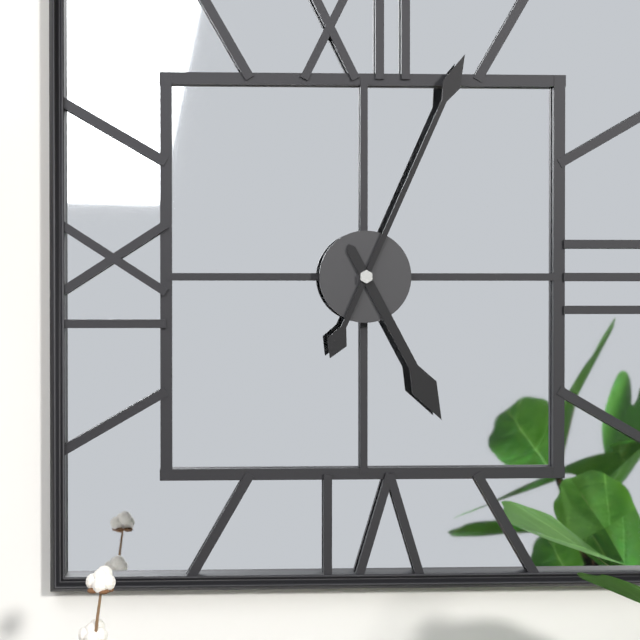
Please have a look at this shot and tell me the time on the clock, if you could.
5:04
